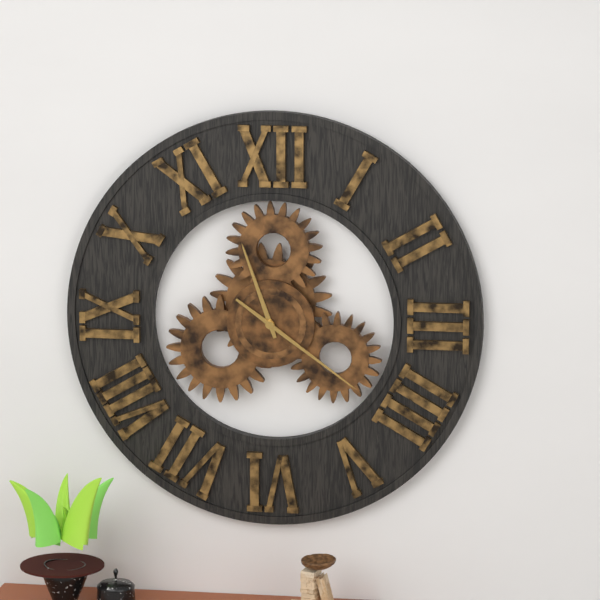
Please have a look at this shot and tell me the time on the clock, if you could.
11:21
